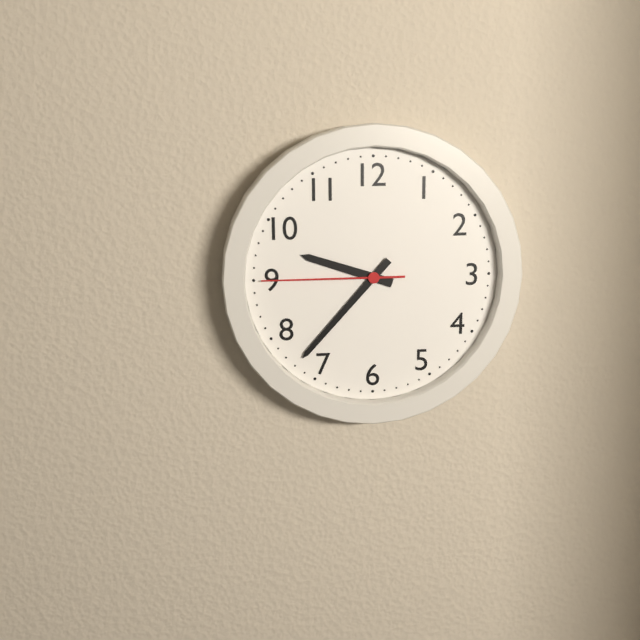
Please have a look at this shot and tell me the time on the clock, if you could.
9:37:45
